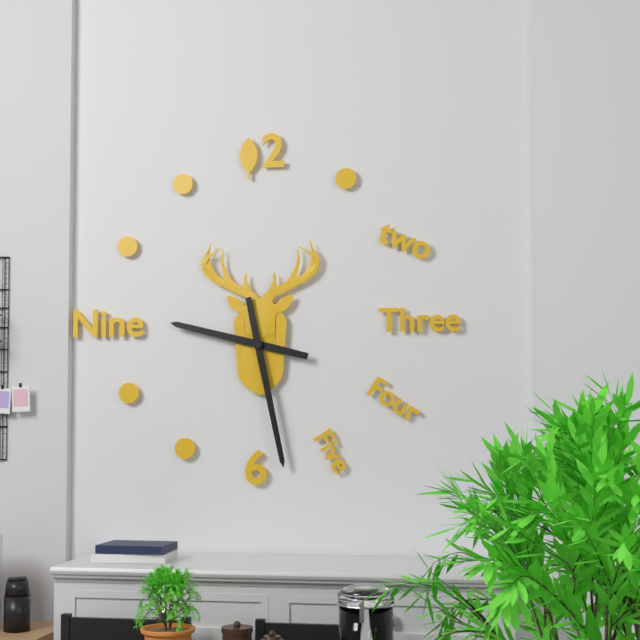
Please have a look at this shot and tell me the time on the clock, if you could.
9:28
